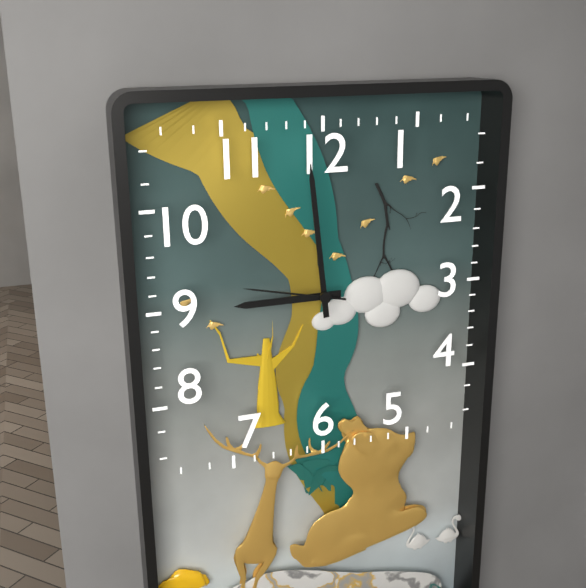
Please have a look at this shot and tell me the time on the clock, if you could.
8:59:47
